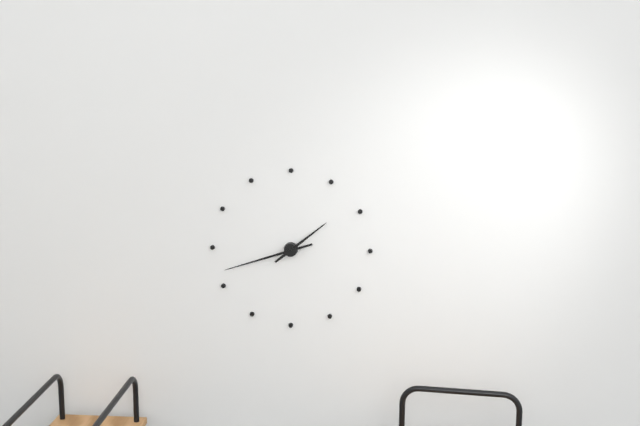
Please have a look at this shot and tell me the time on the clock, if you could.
1:42
